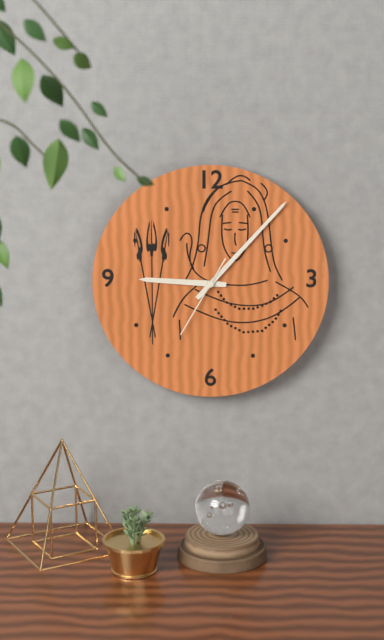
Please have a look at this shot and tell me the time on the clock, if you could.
9:07:35
